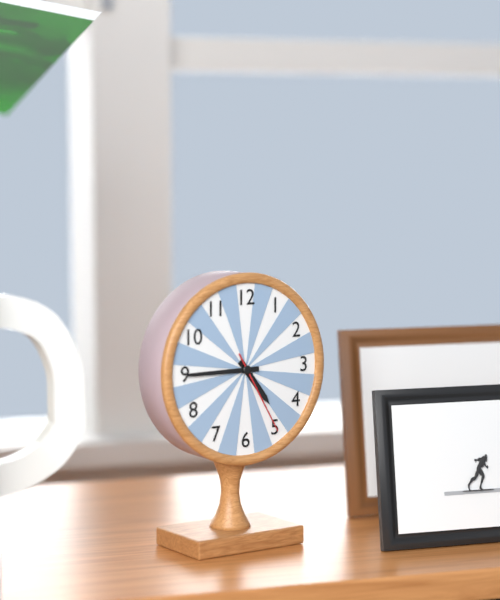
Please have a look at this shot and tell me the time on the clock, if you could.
4:45:25
